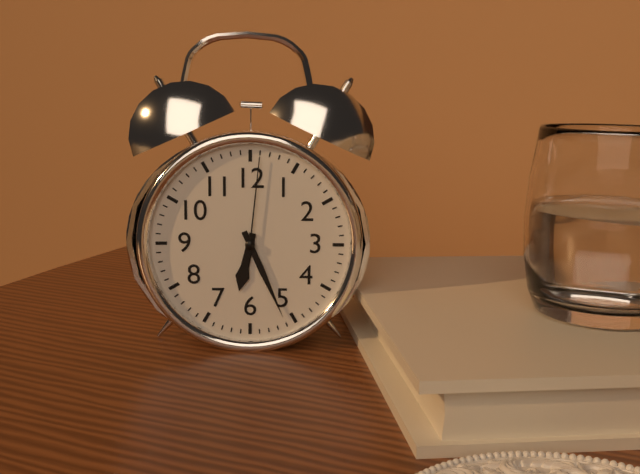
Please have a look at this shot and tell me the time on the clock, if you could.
6:26:01
